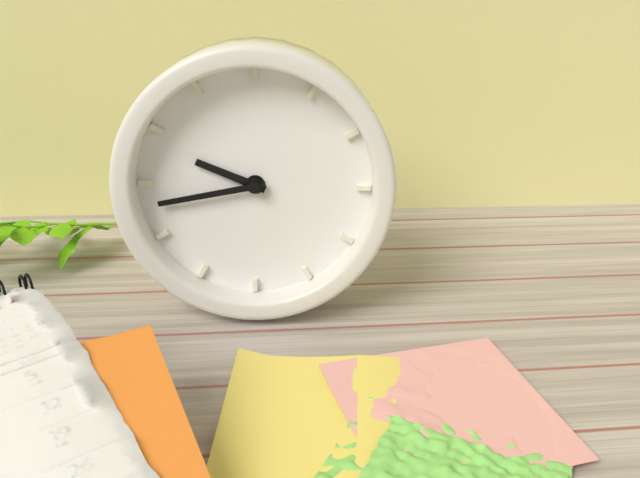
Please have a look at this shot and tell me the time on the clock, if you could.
9:43
